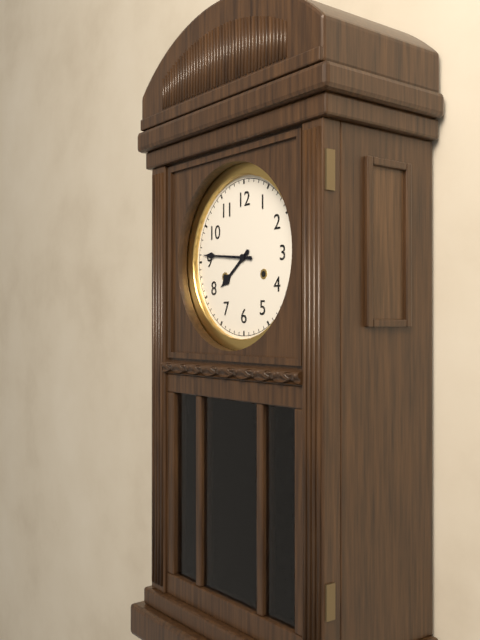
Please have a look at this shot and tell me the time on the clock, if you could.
7:46
